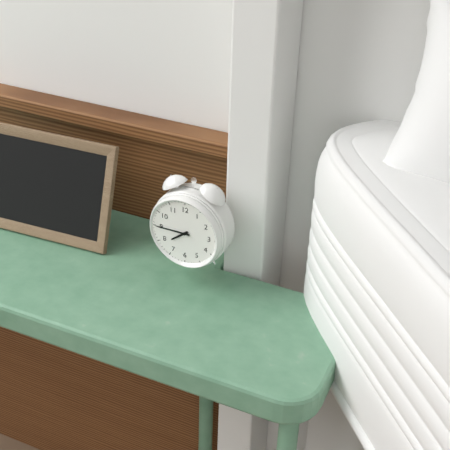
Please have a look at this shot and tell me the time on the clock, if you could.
7:45
